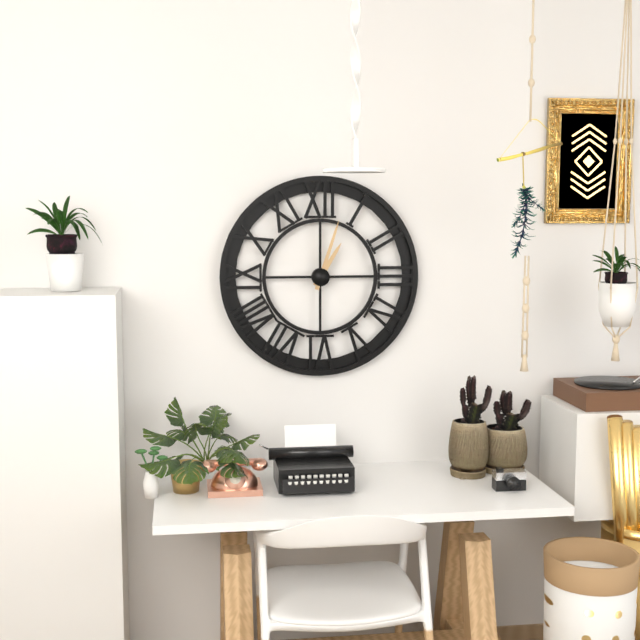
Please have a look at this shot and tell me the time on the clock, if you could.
1:03
